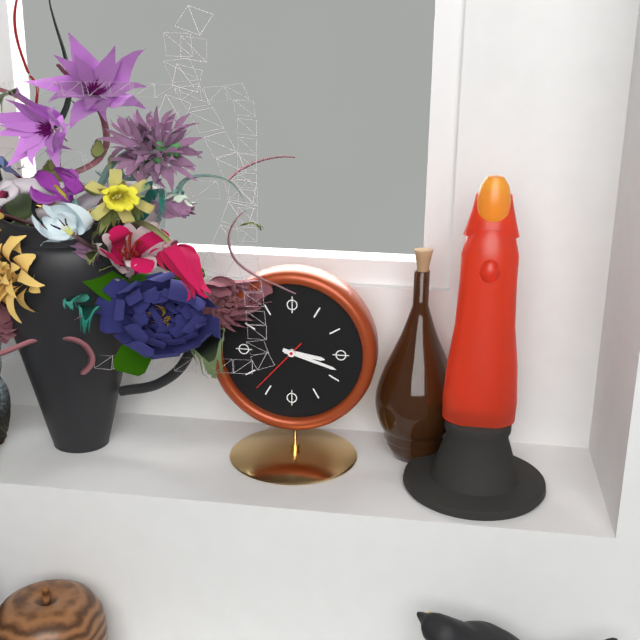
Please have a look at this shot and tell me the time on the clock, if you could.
3:18:37
